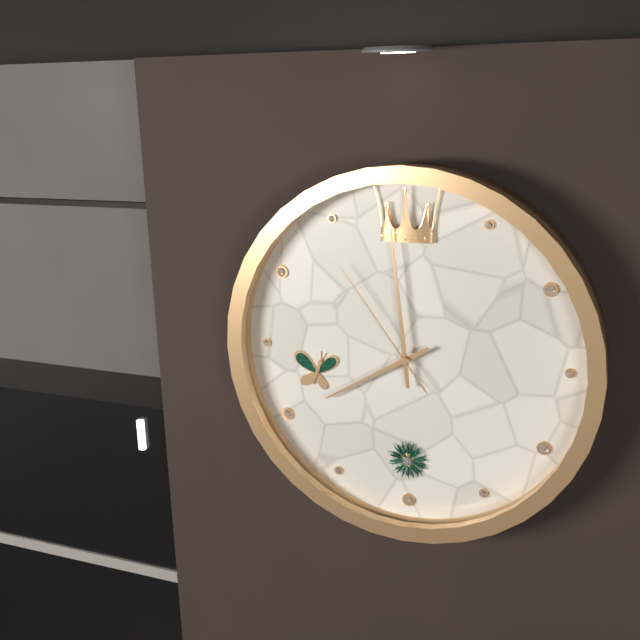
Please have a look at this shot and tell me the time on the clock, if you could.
7:59:54
